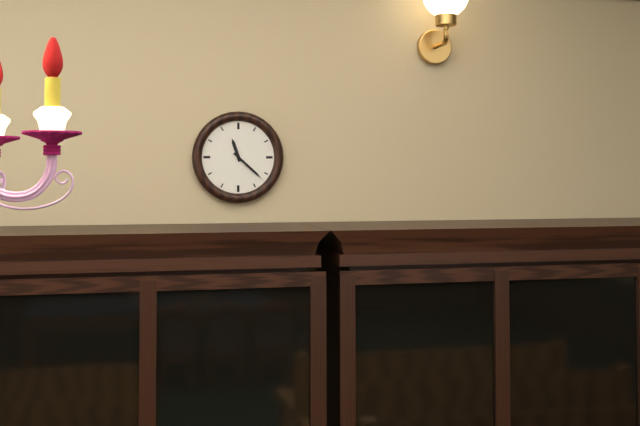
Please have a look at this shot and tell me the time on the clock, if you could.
11:22
